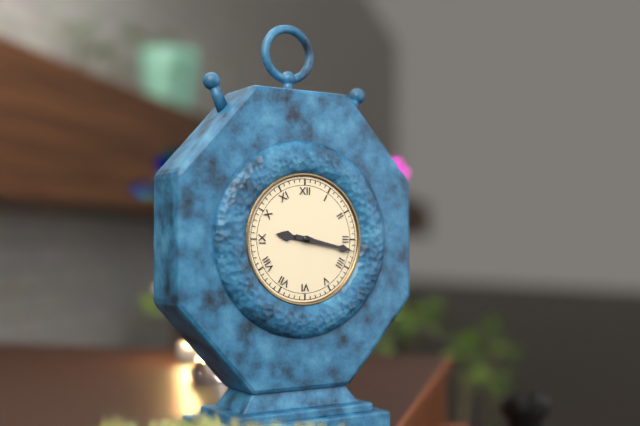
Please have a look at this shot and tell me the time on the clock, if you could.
9:17
